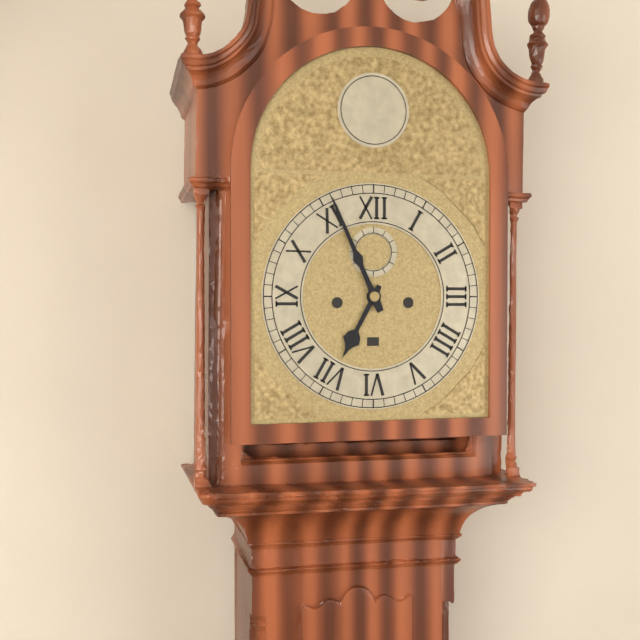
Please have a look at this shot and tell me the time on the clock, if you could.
6:56
